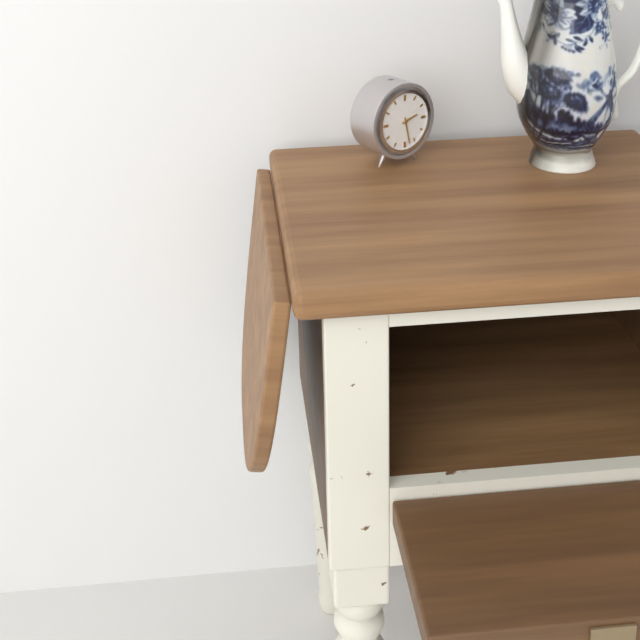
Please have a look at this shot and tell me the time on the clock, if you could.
2:28
